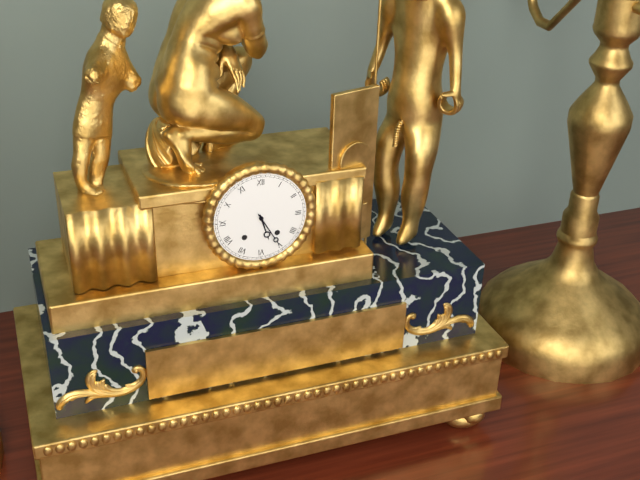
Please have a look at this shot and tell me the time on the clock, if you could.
5:25
